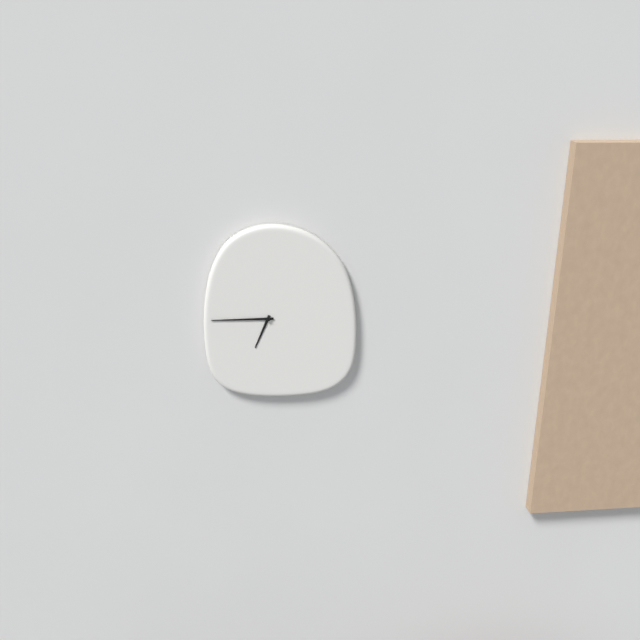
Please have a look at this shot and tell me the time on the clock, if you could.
6:45
